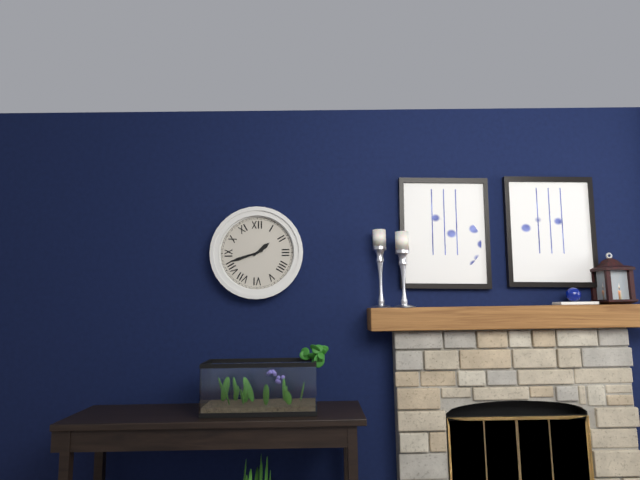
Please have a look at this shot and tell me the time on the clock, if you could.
1:42
